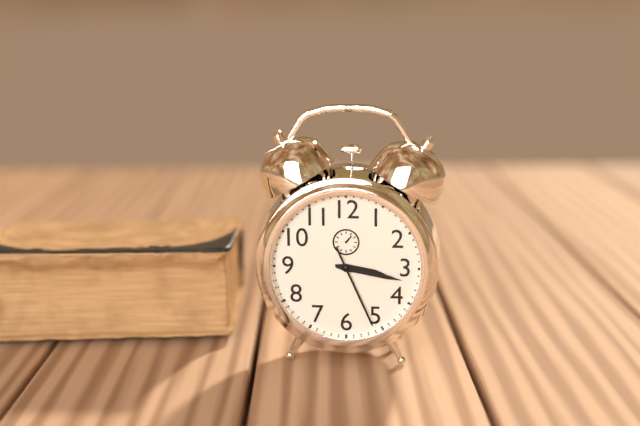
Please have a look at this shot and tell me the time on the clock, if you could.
3:17:26
